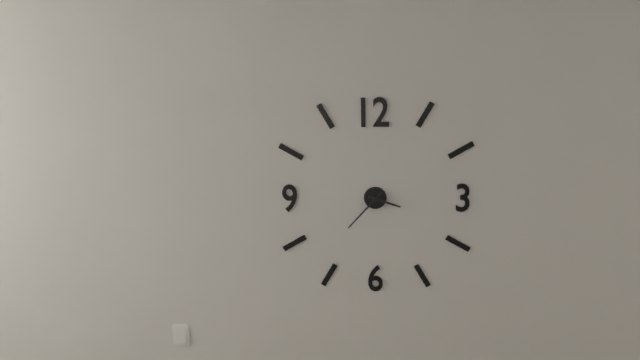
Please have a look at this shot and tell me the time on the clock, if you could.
3:37
